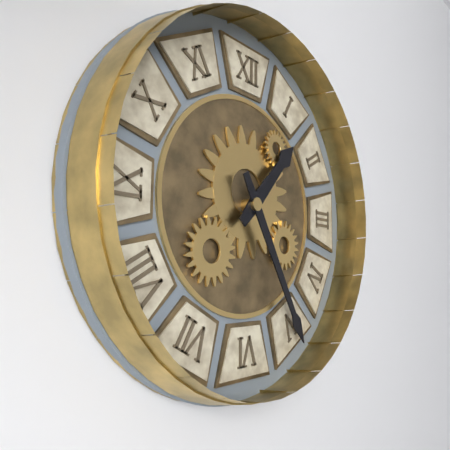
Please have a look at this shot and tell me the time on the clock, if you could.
1:25
